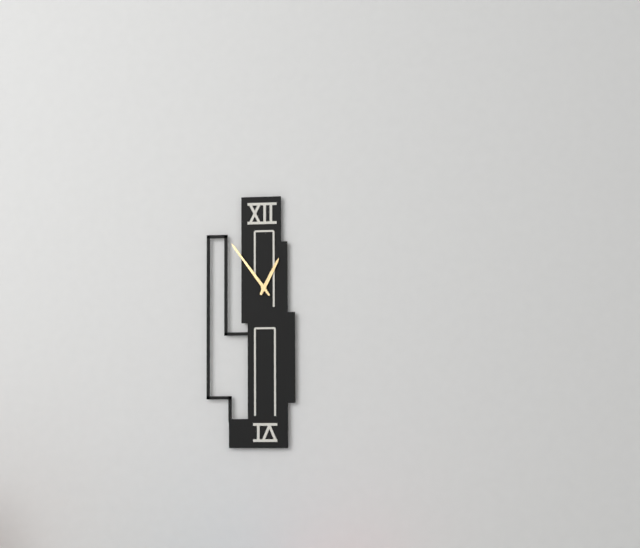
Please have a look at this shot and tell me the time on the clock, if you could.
12:54
